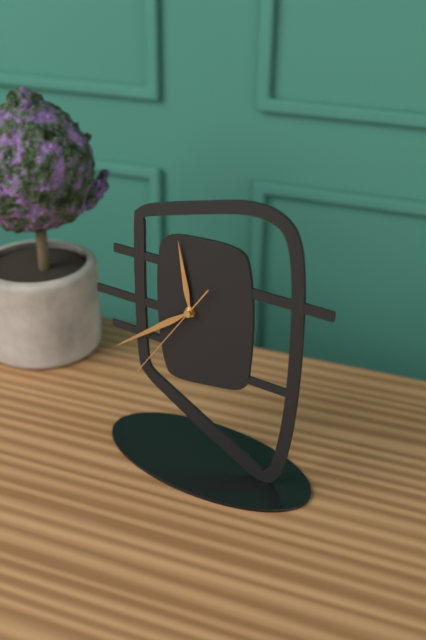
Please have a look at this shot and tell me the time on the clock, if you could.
11:39:36
